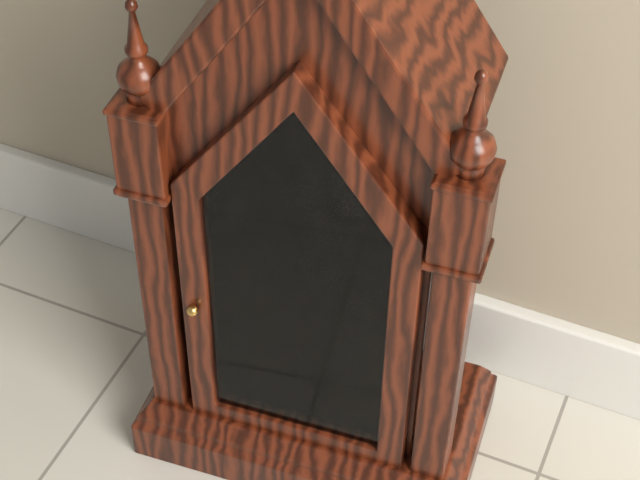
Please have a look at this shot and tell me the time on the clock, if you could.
2:44
